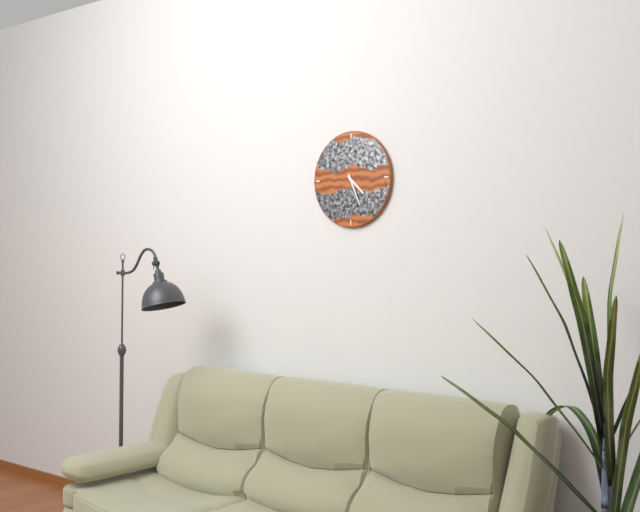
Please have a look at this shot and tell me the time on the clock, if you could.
4:26
